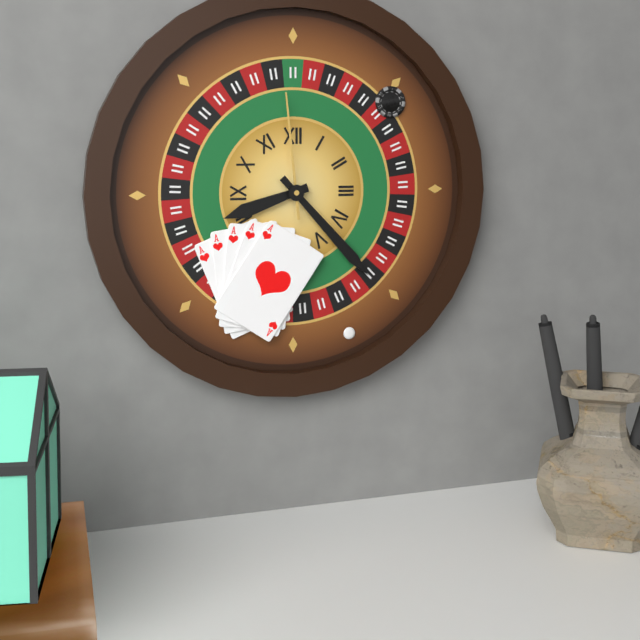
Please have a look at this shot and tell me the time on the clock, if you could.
8:23:59
